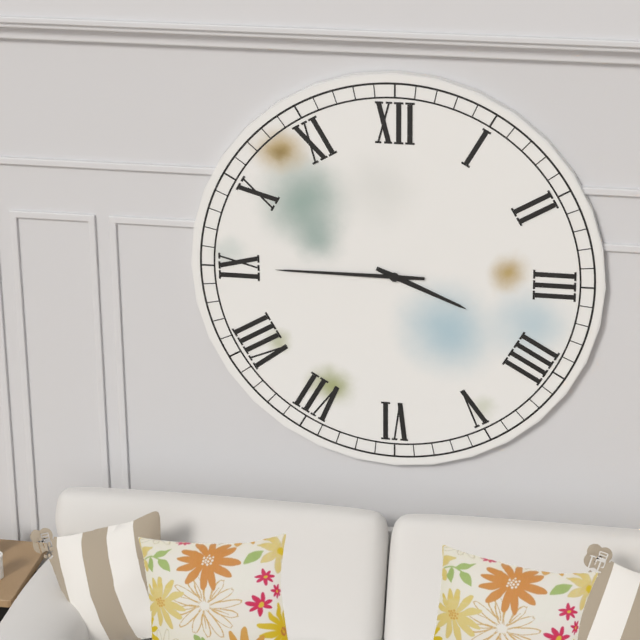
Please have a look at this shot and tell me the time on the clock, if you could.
3:45
